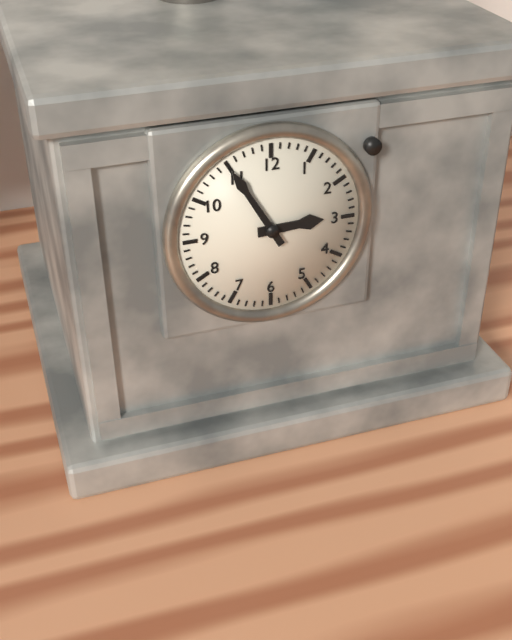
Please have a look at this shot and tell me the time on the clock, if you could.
2:55
